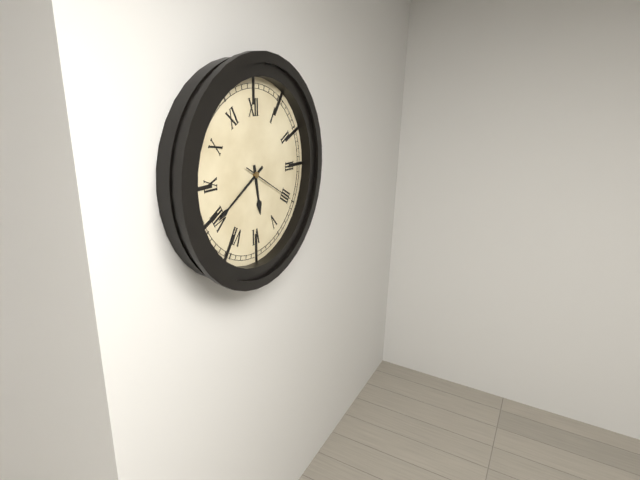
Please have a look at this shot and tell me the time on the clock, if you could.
5:40:20
